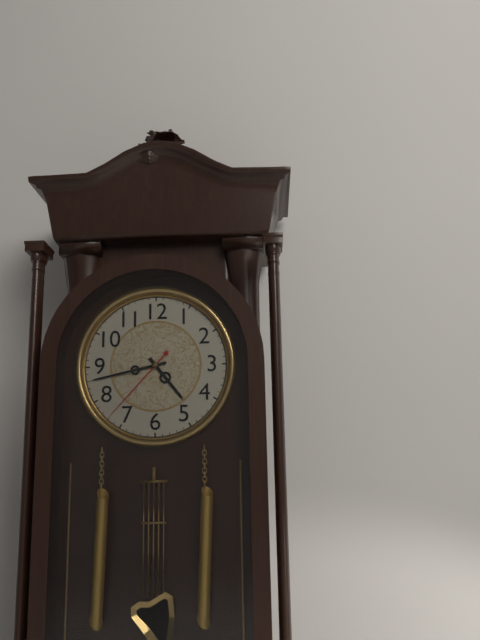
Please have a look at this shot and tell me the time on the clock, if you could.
4:43:37
